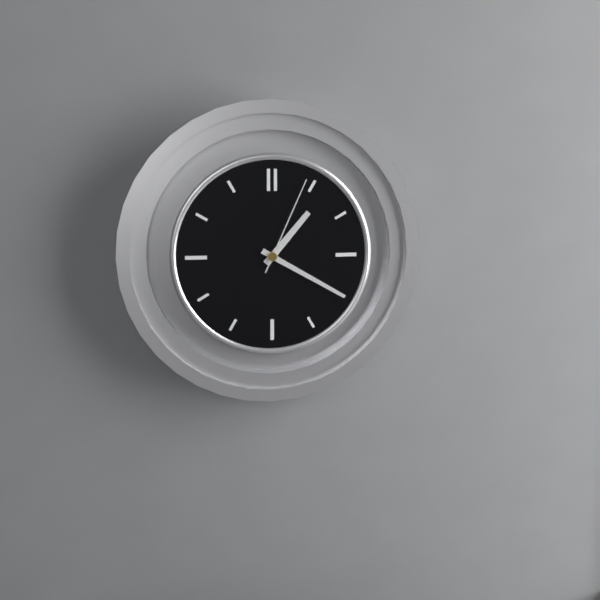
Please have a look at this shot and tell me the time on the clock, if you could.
1:20:04
